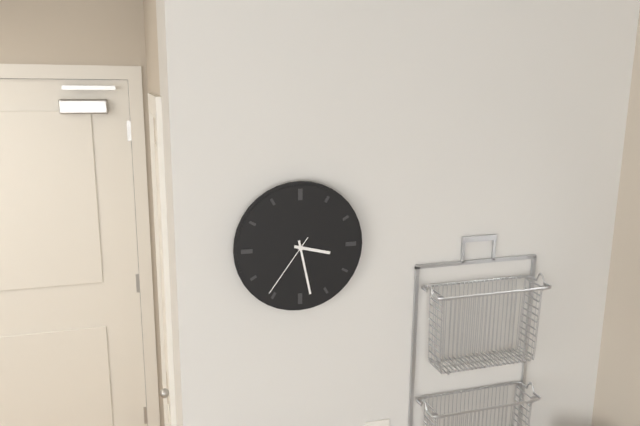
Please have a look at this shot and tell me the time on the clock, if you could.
3:28:36
